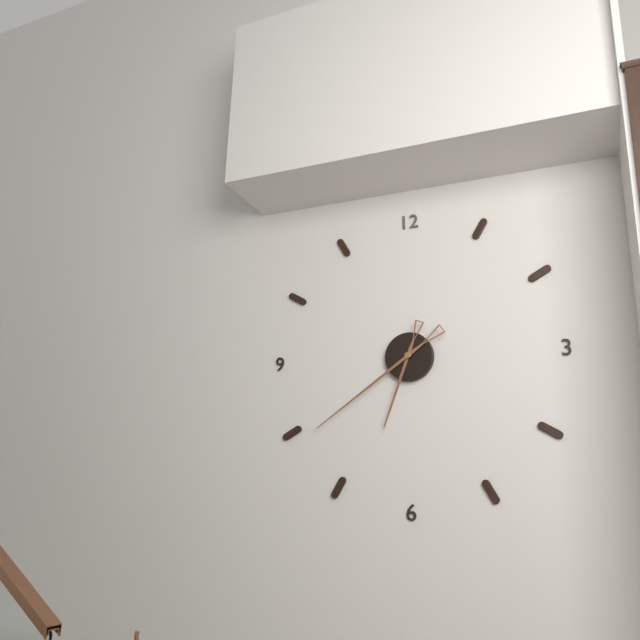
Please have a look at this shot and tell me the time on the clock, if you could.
6:39
